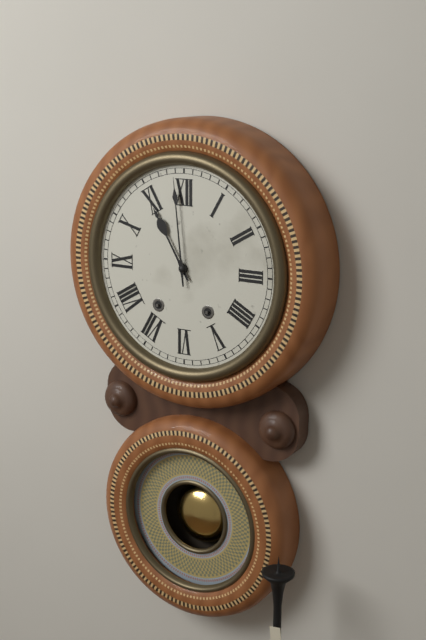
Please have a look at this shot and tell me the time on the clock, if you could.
10:59
